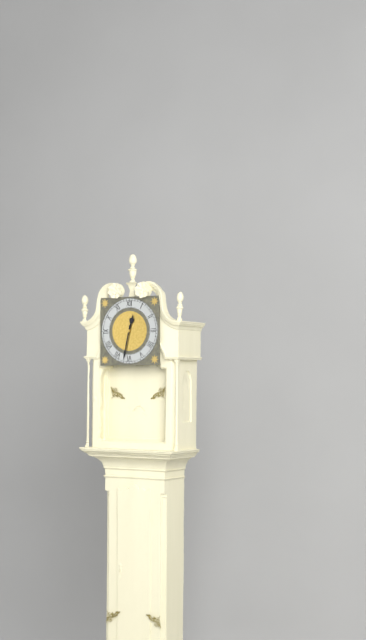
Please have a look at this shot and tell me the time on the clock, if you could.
12:32
